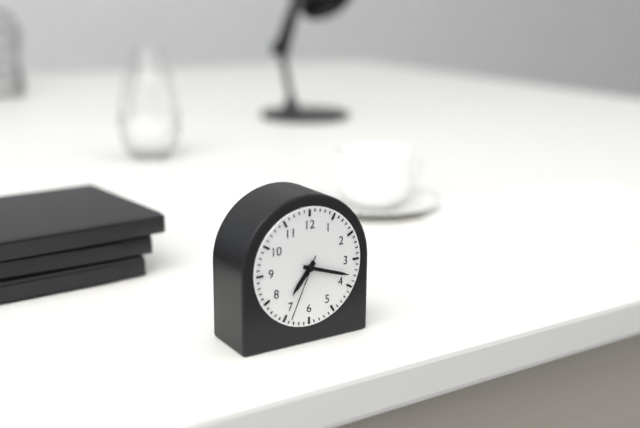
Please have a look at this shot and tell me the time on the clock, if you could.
7:18:34
